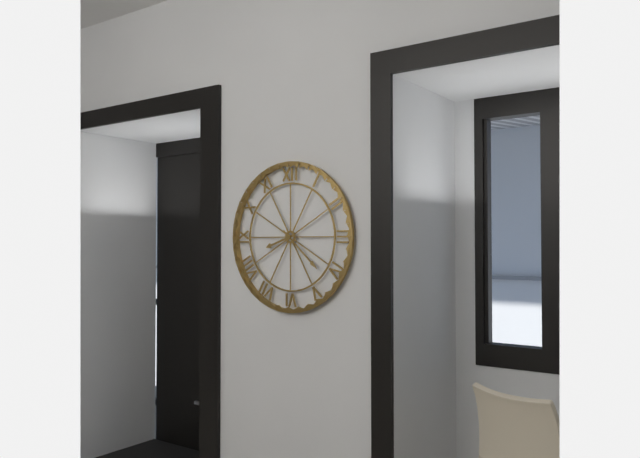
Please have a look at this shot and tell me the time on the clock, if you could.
8:22
